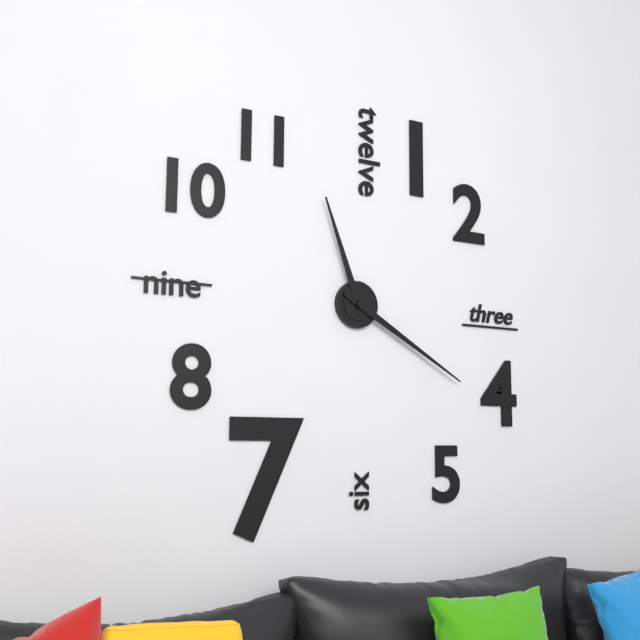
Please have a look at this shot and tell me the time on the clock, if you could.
11:20
